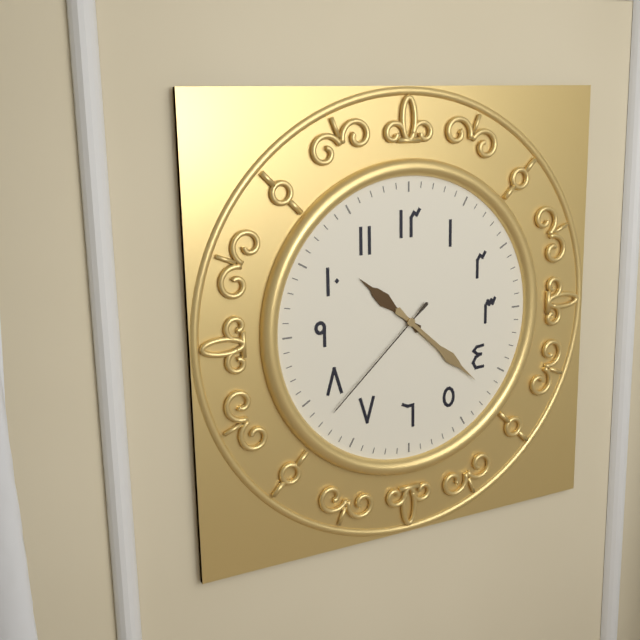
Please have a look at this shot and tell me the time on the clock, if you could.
10:22:38
